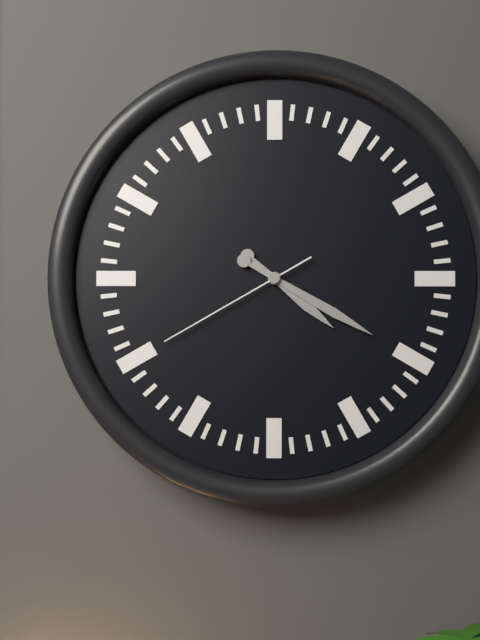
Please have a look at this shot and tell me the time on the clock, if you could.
4:20:40
